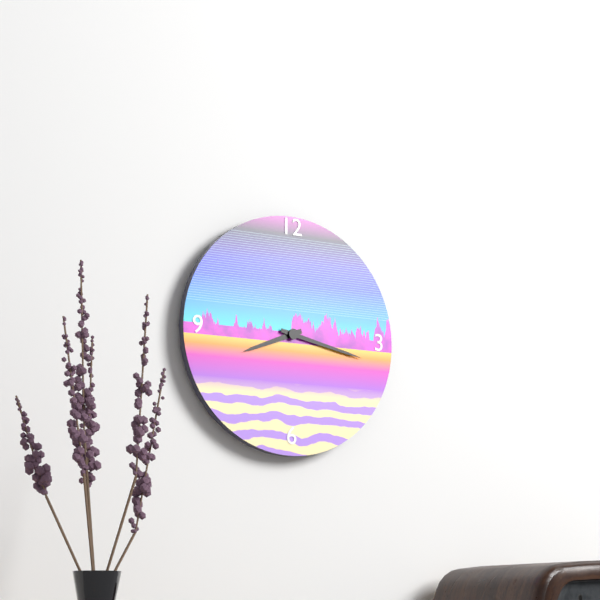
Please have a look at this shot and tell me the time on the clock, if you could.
8:17
